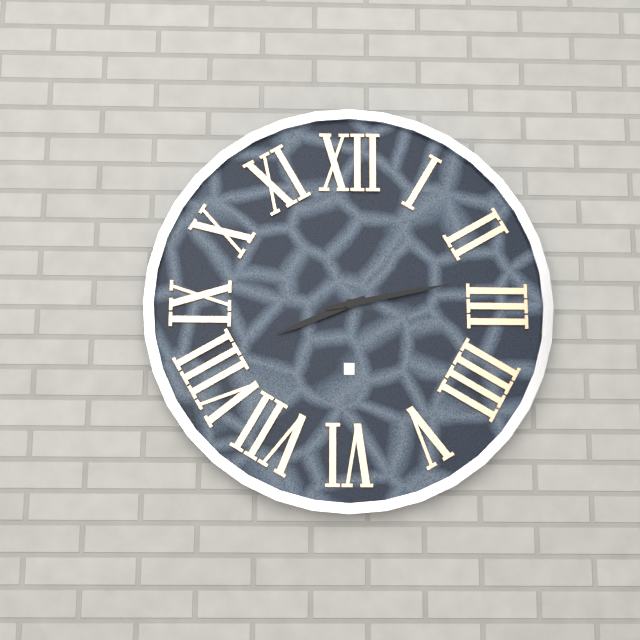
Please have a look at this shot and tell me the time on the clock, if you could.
8:13
